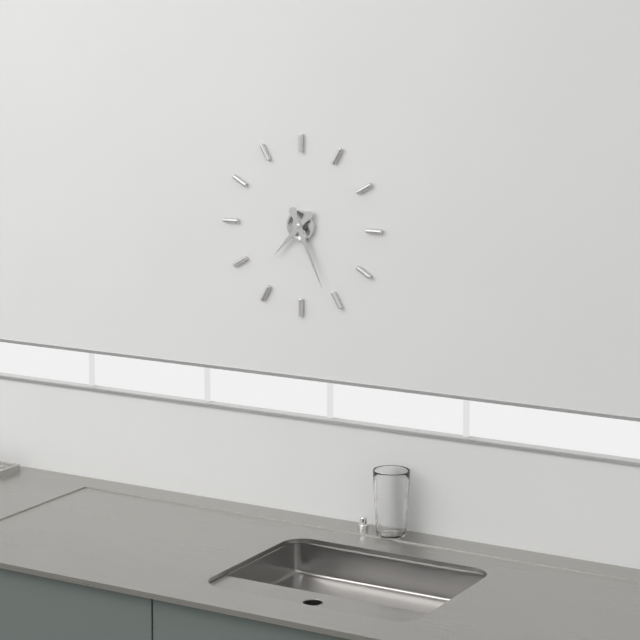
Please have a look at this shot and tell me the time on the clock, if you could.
7:26
